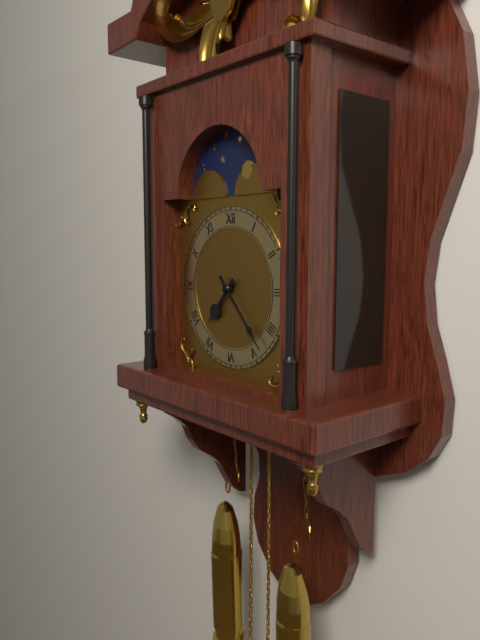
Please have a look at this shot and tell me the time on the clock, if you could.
7:23
